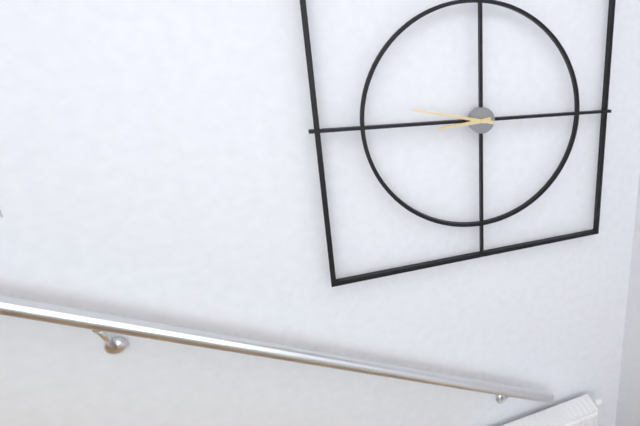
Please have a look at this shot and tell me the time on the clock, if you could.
8:47
